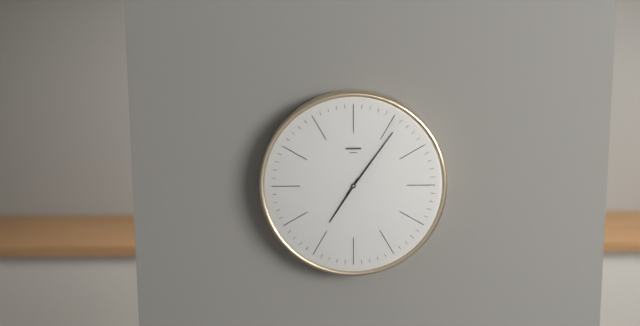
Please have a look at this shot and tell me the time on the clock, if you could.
7:06
